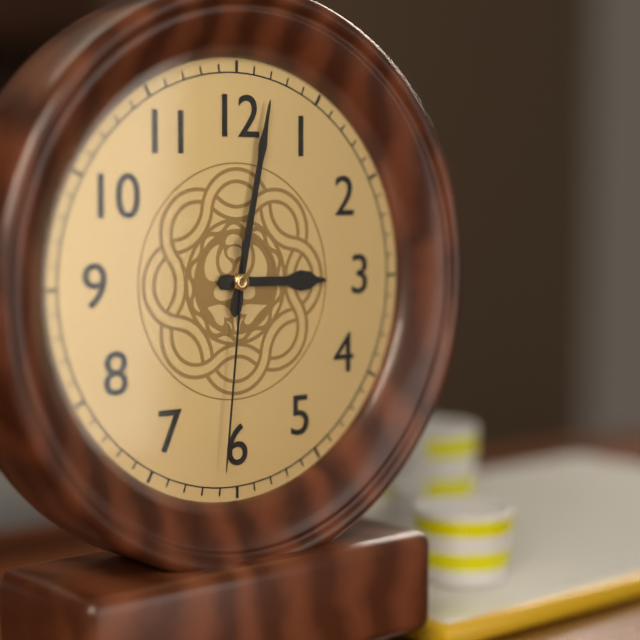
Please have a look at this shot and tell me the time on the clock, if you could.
3:02:31
